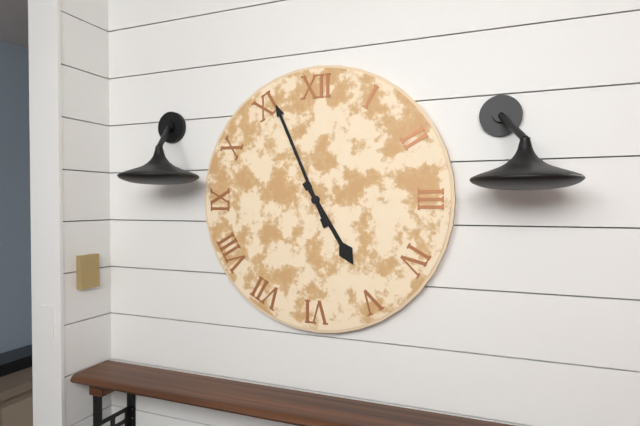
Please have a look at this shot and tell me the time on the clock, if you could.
4:56
